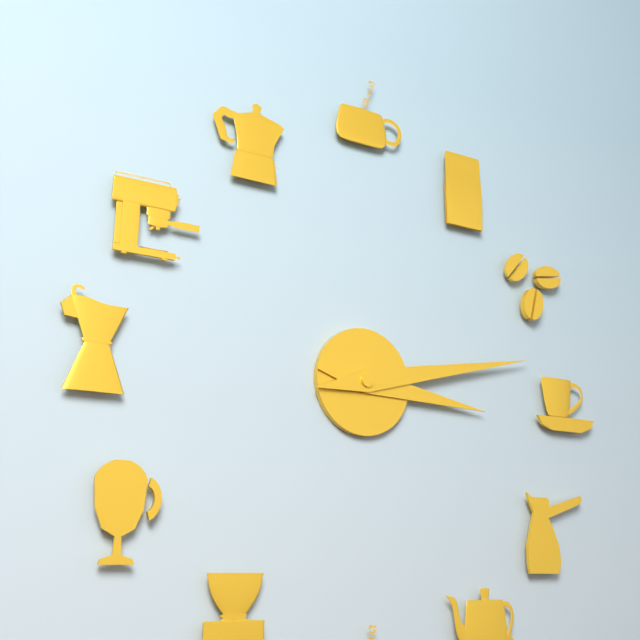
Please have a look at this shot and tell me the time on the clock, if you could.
3:13
